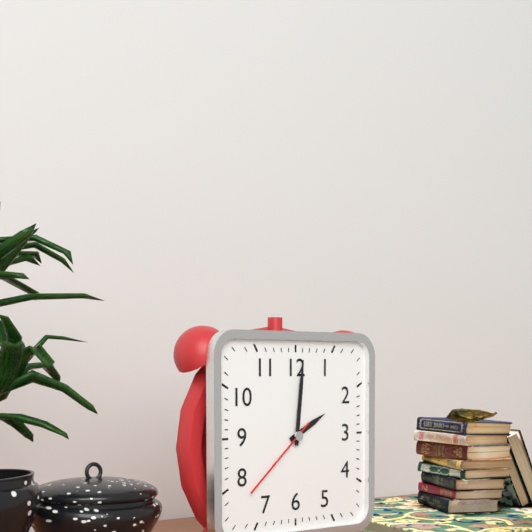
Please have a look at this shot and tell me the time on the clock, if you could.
2:01:38
